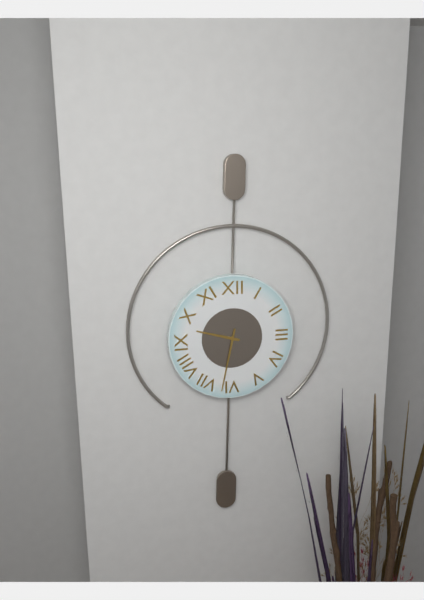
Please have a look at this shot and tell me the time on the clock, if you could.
9:32
